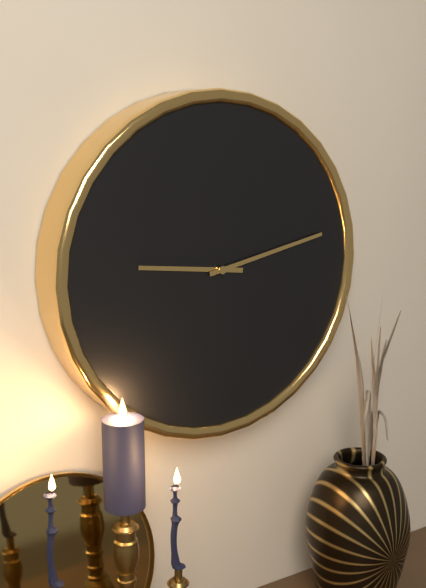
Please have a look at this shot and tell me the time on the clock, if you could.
9:13
